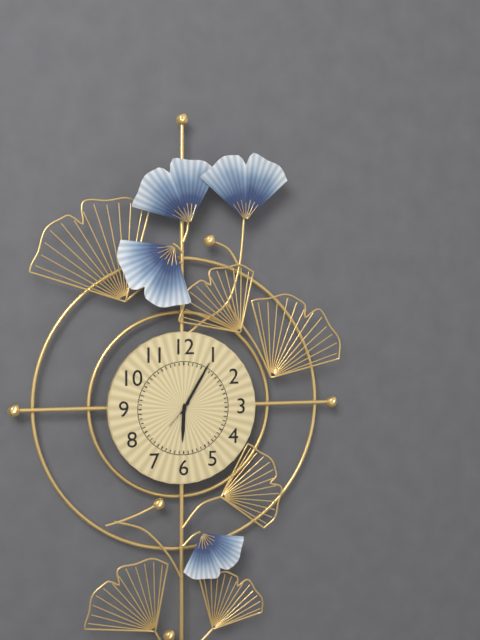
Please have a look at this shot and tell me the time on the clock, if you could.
6:05
